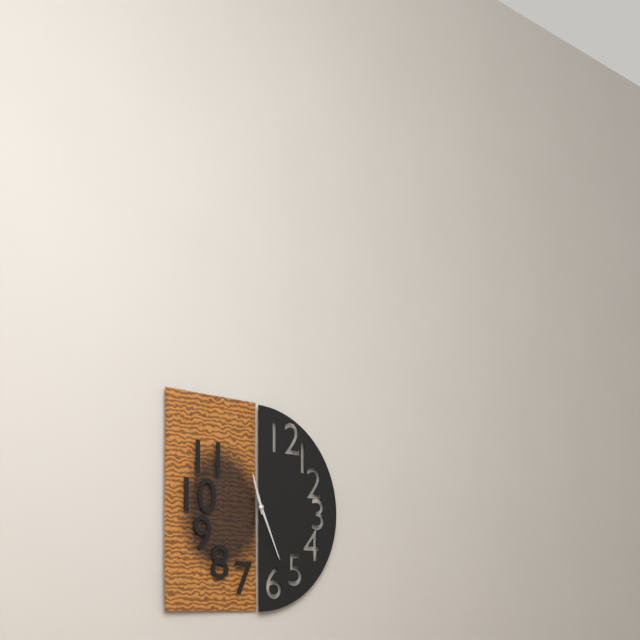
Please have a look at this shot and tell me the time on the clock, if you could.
11:26
